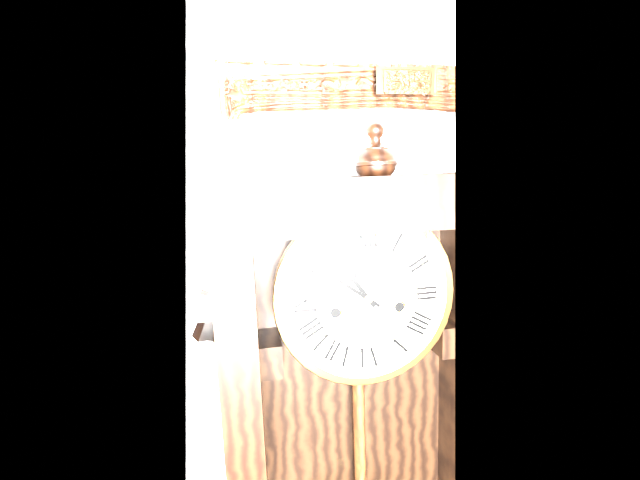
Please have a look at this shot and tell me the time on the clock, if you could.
10:51
